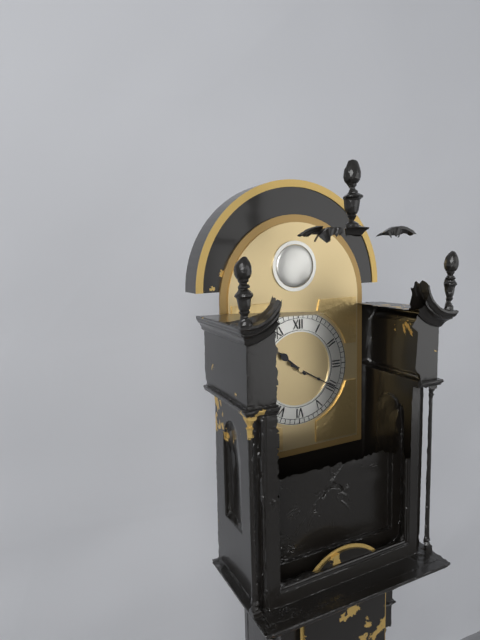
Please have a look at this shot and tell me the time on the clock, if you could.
10:20
